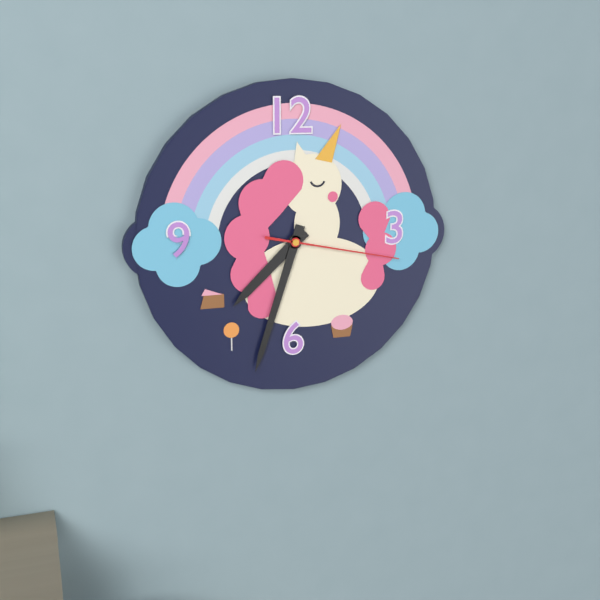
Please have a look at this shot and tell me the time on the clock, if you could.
7:33:17
